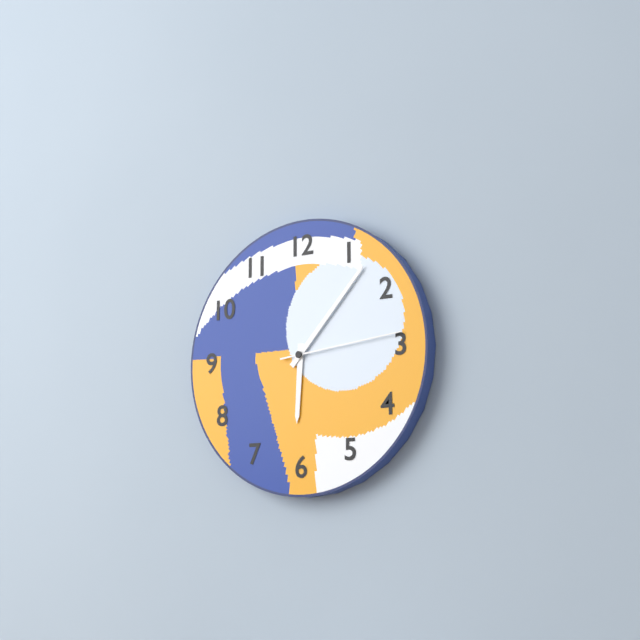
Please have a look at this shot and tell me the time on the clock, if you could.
6:07:14
